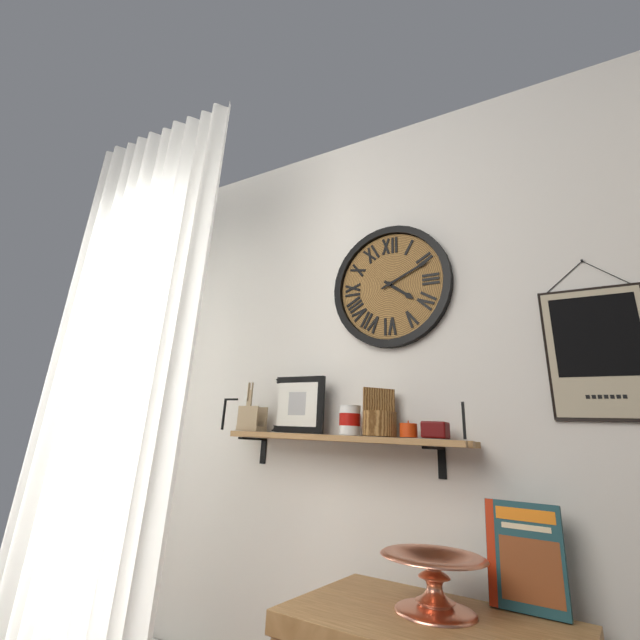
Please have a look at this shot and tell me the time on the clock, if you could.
4:11
